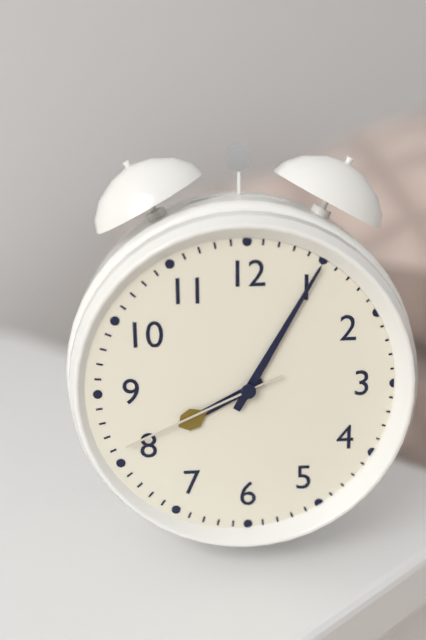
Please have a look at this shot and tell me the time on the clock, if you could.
8:05:41
